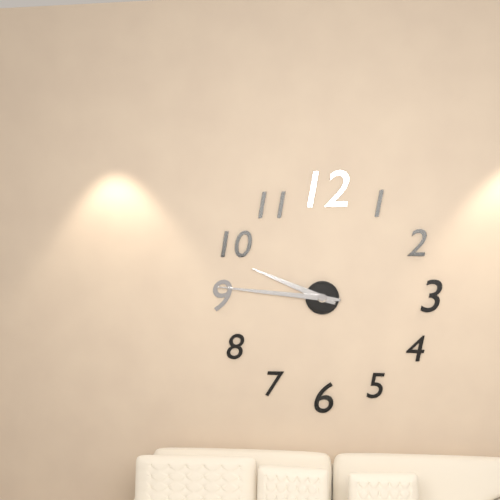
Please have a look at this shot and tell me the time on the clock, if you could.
9:46
